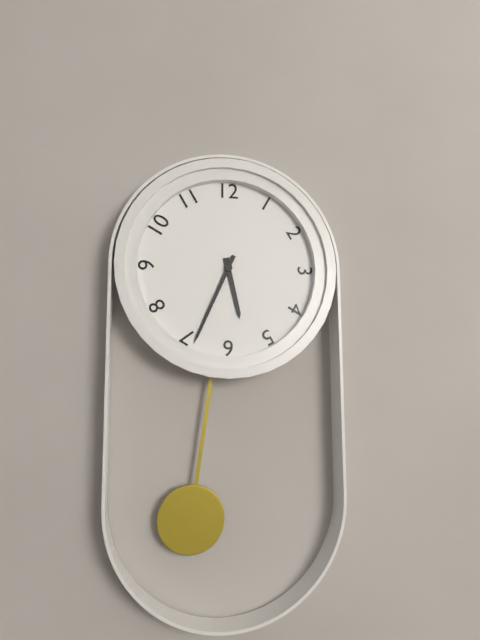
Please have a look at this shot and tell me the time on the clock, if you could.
5:34
